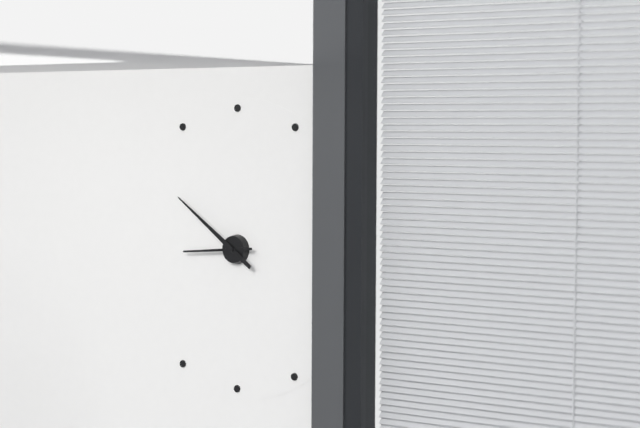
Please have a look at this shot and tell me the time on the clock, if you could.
8:51
